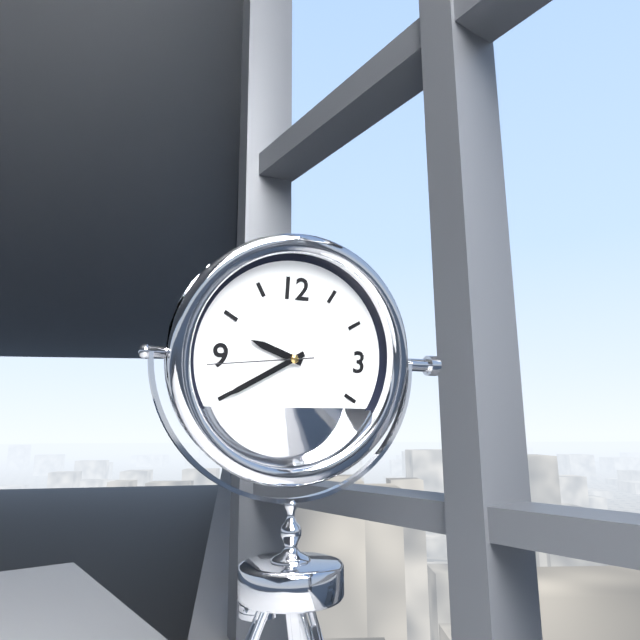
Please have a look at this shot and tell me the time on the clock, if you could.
9:40:44
